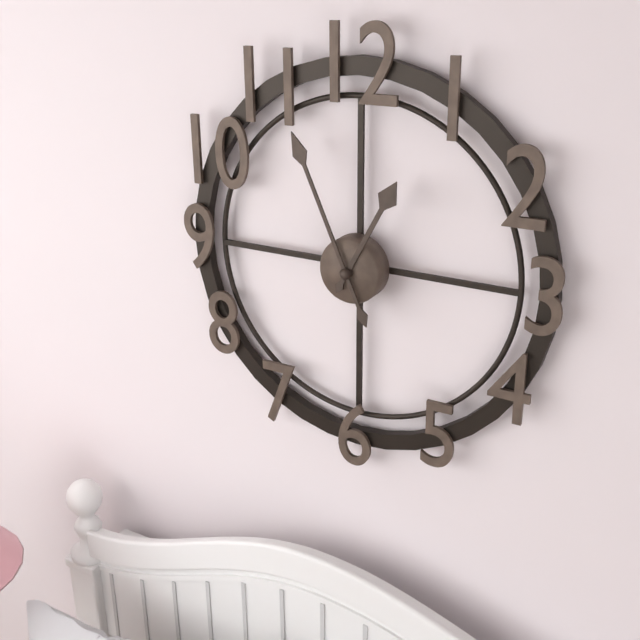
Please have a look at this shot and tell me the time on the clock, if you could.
12:56
